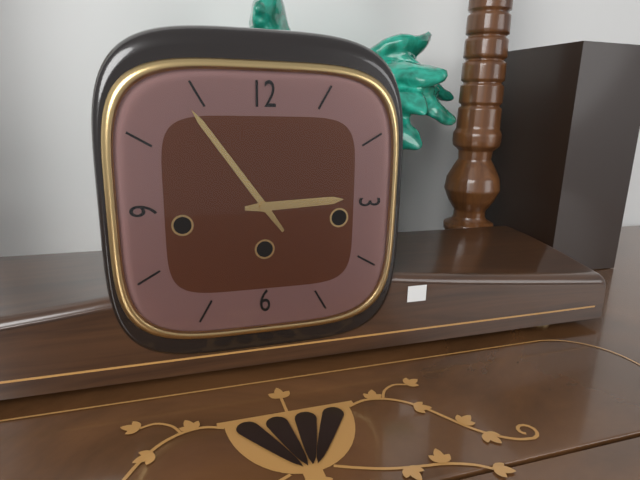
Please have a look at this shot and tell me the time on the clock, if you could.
2:54
